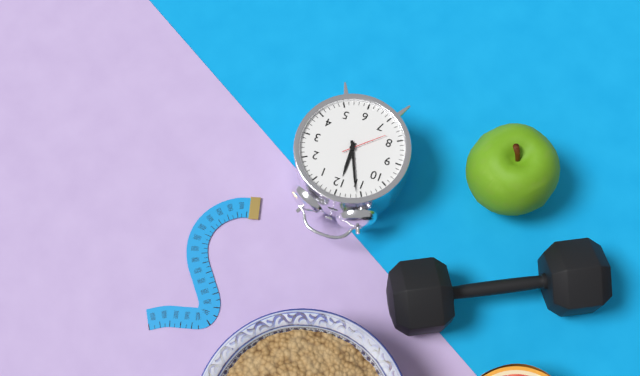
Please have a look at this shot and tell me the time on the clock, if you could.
11:56
